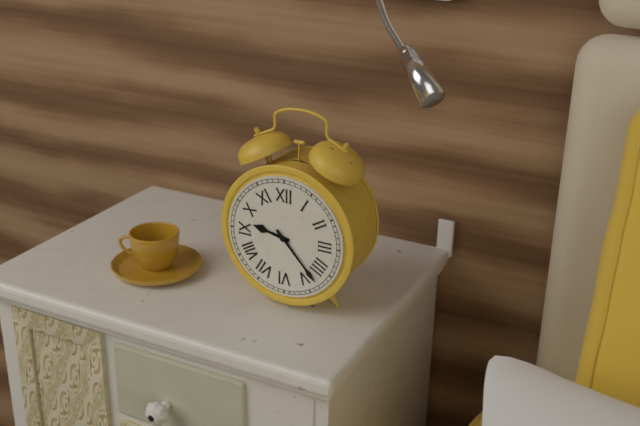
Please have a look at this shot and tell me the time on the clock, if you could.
9:23
